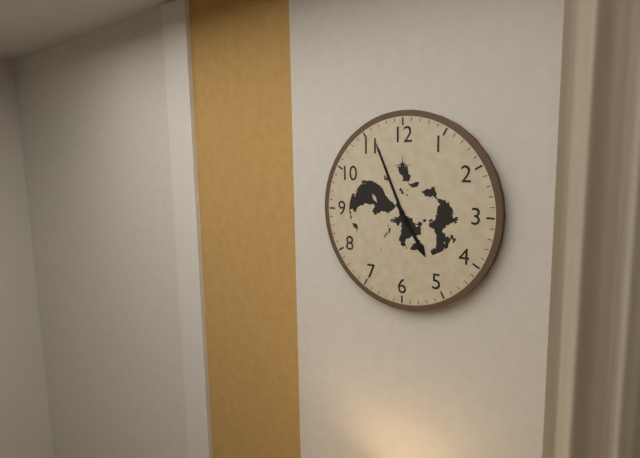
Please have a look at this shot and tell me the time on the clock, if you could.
4:56
